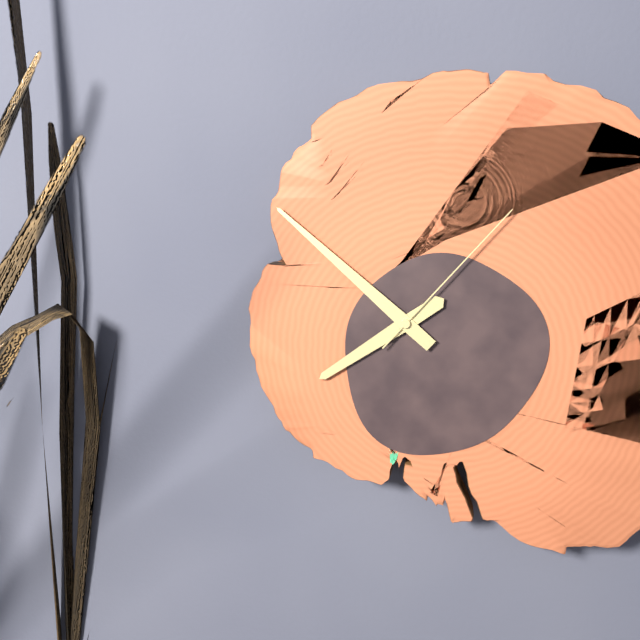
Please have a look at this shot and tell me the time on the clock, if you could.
7:52:07
